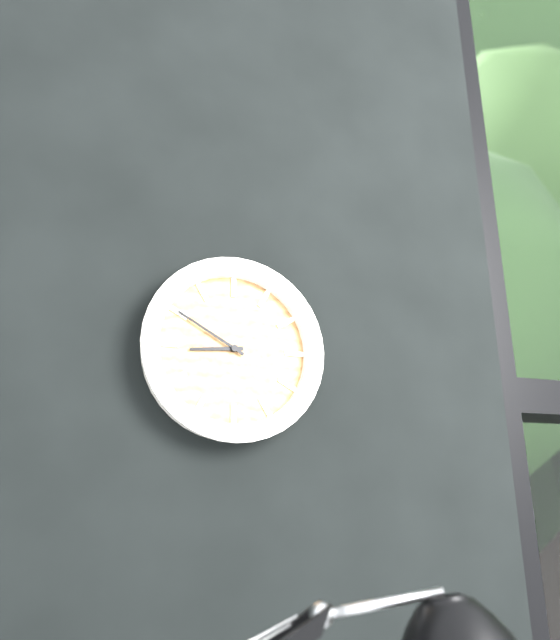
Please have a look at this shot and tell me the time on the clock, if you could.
8:50
